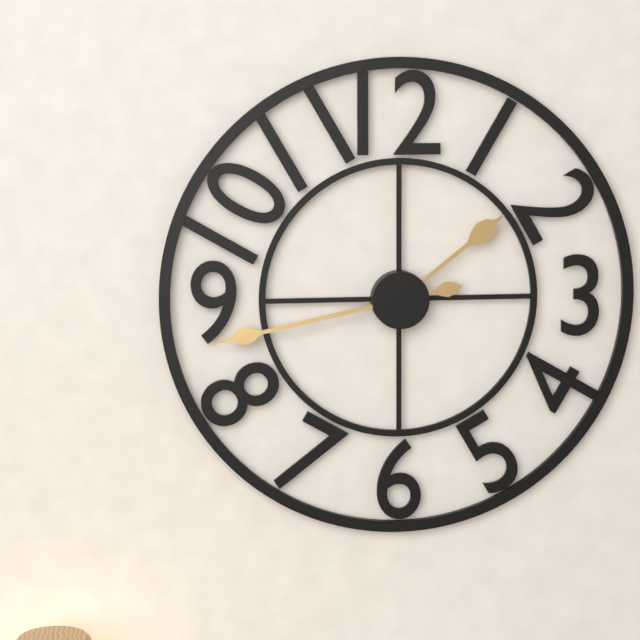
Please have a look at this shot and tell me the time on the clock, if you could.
1:43
